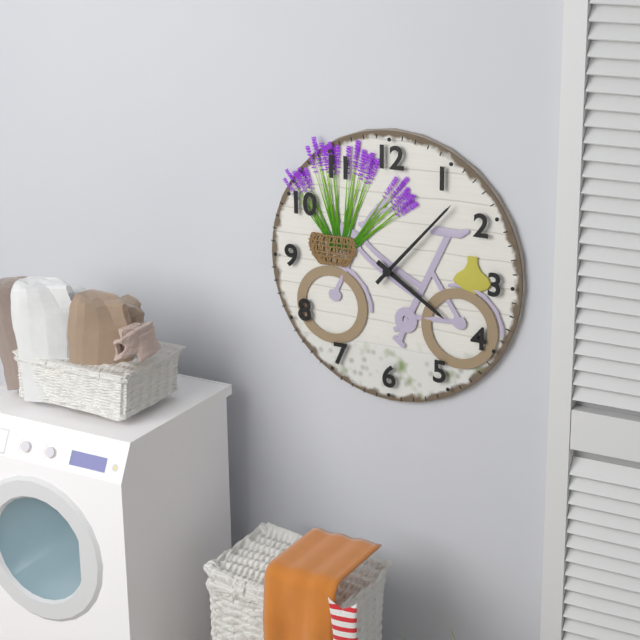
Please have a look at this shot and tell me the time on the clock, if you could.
4:07
